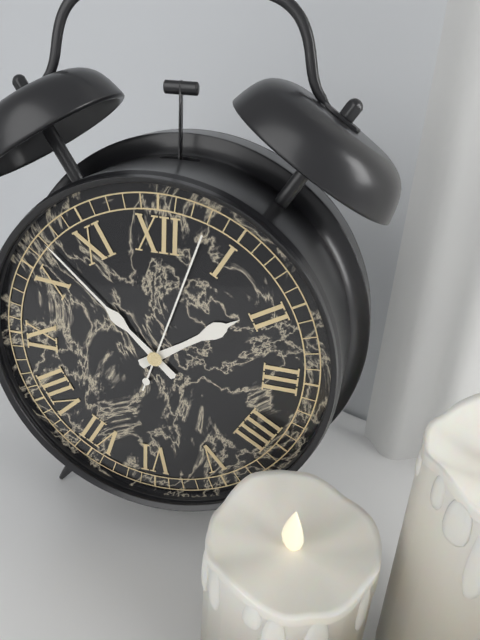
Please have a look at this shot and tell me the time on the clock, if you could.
1:52:03
